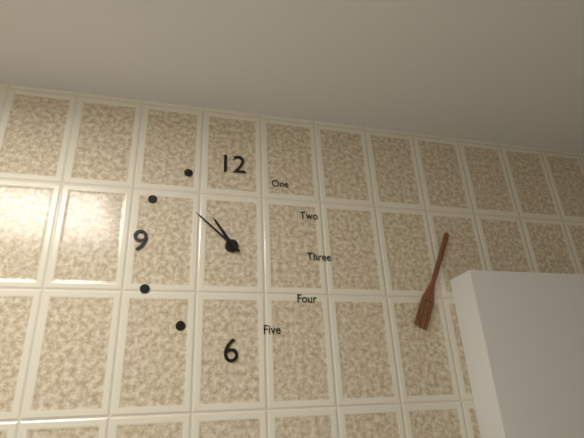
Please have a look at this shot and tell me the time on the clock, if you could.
10:52
